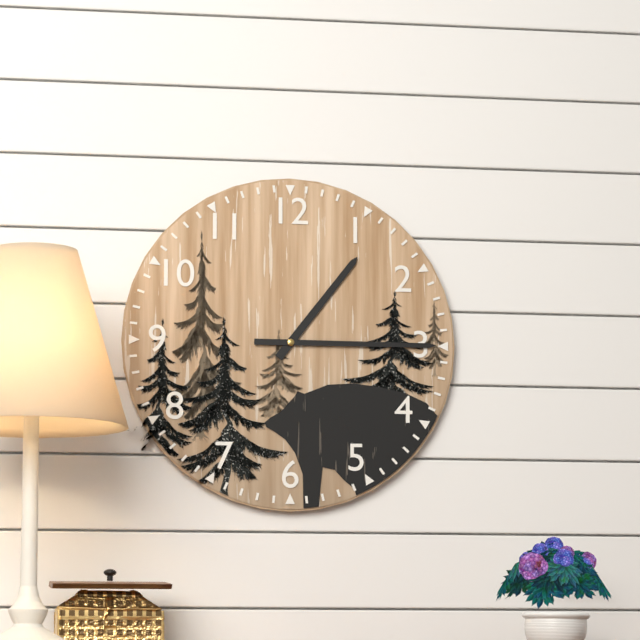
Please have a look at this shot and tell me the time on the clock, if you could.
1:15
